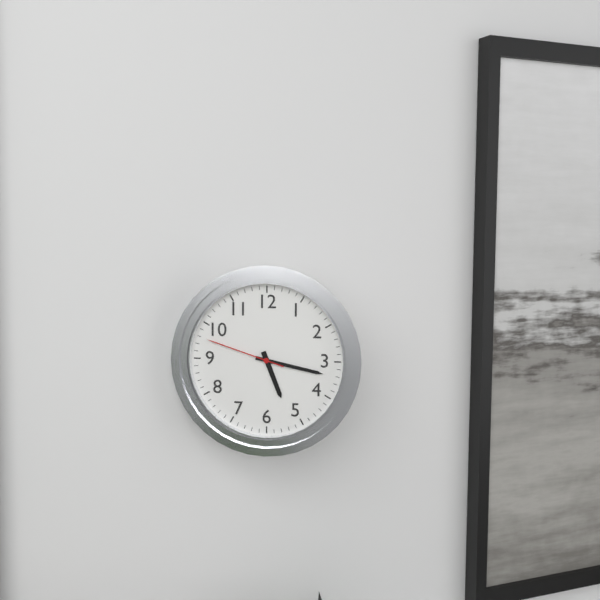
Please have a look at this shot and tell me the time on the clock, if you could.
5:17:48
